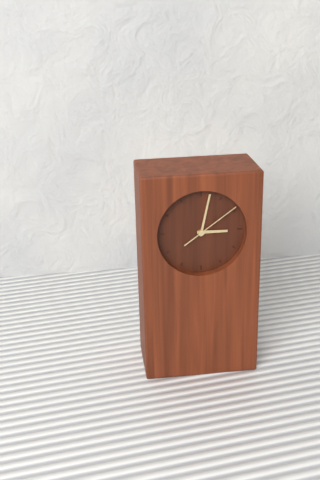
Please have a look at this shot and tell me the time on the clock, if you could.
3:02:09
